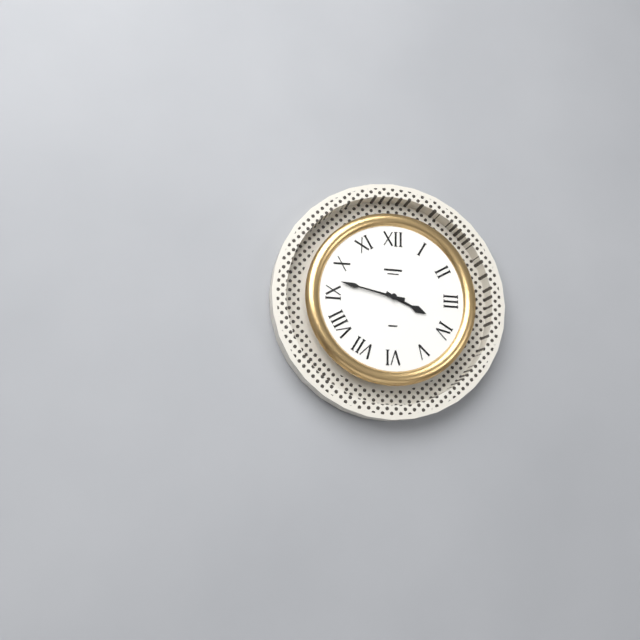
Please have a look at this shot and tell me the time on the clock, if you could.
3:47
